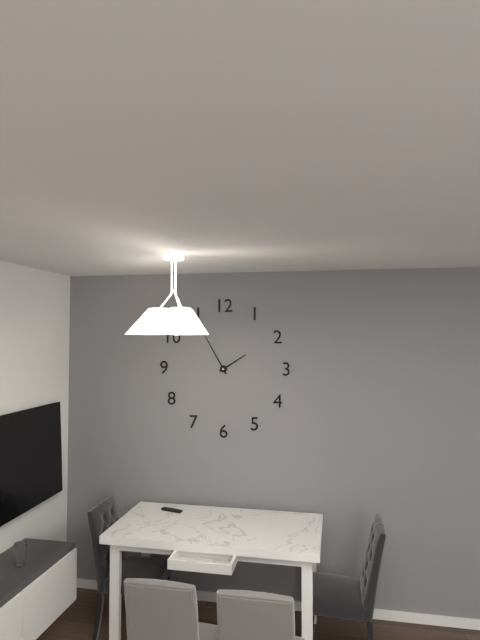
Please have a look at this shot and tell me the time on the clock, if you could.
1:55
